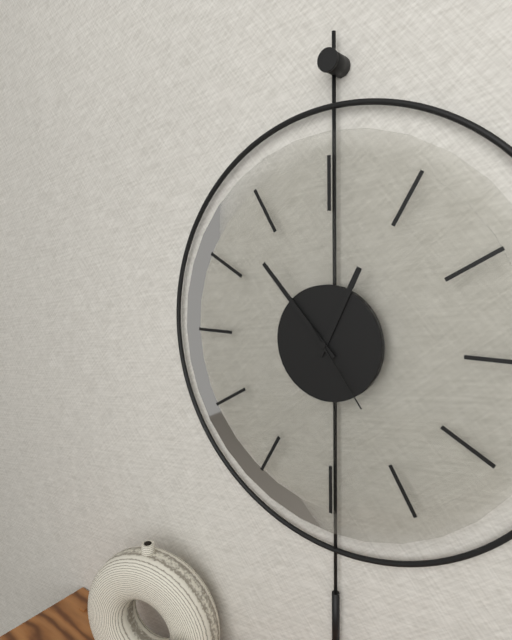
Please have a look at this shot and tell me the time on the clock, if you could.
12:53:24
